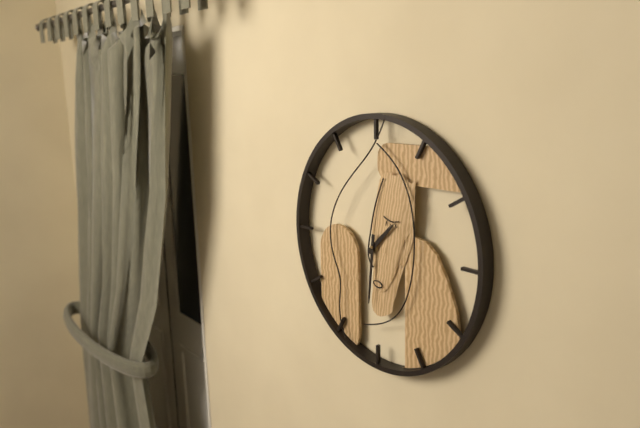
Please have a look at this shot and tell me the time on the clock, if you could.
1:31
